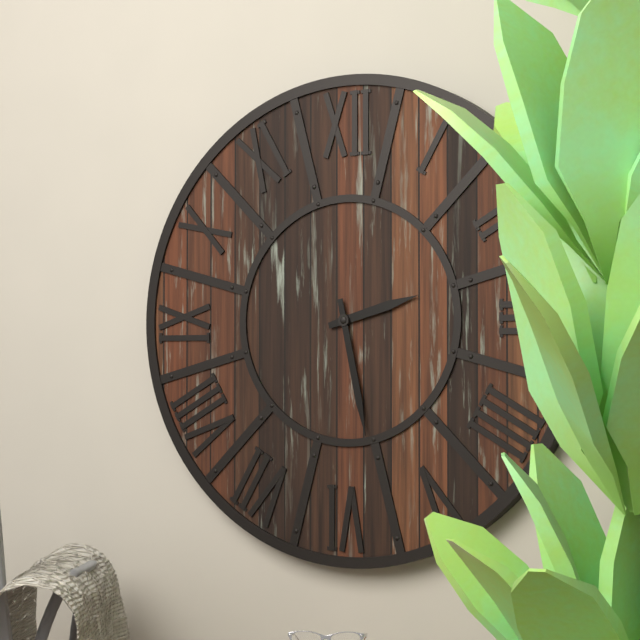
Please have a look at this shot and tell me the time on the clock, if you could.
2:28
